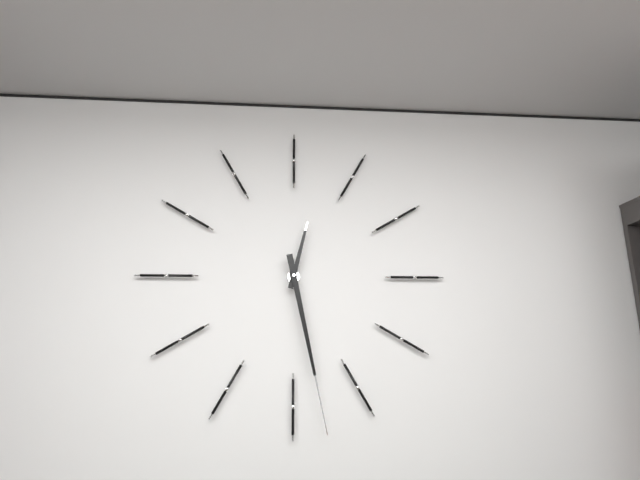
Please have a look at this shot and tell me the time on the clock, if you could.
12:28
